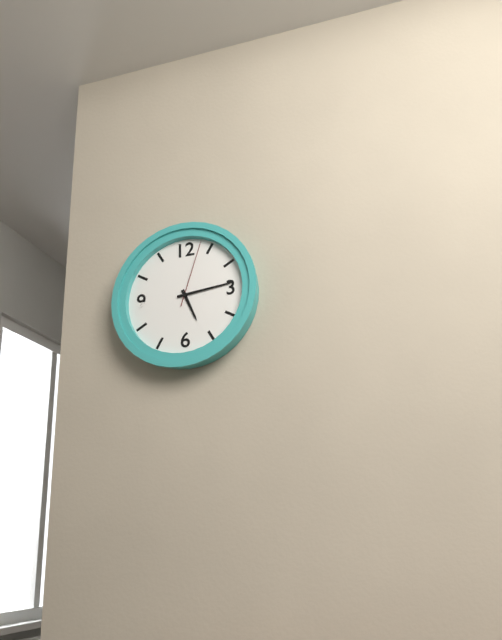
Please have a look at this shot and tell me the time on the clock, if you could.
5:14:03
